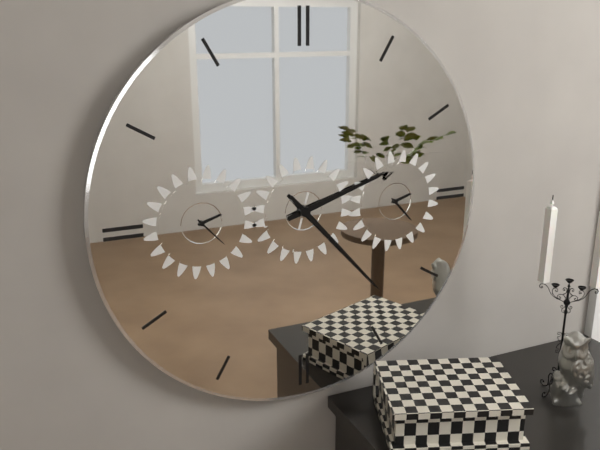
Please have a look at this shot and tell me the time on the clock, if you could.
2:23
